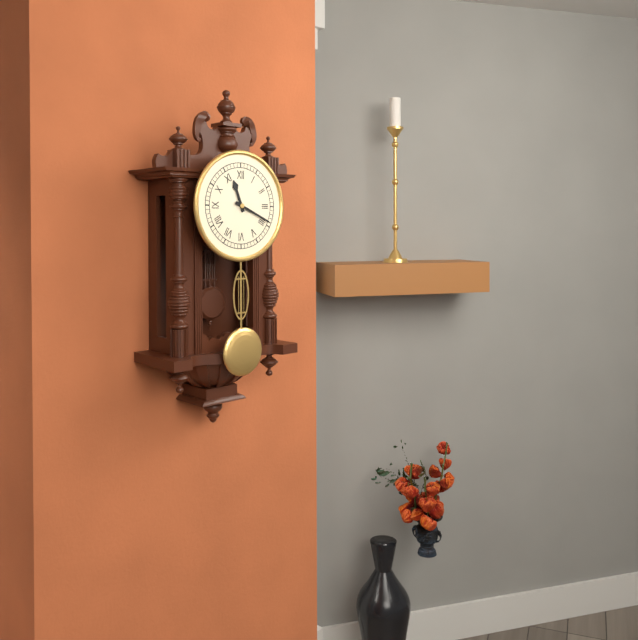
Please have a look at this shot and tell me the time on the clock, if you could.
11:19
